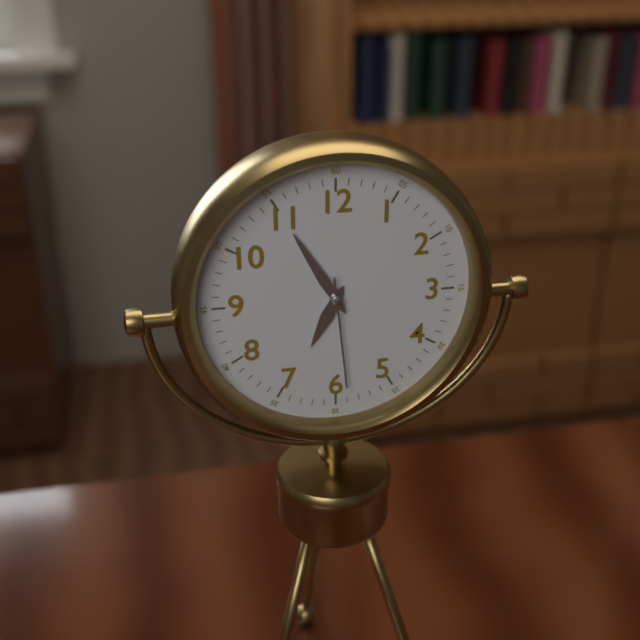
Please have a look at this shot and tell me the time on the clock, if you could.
6:55:29
